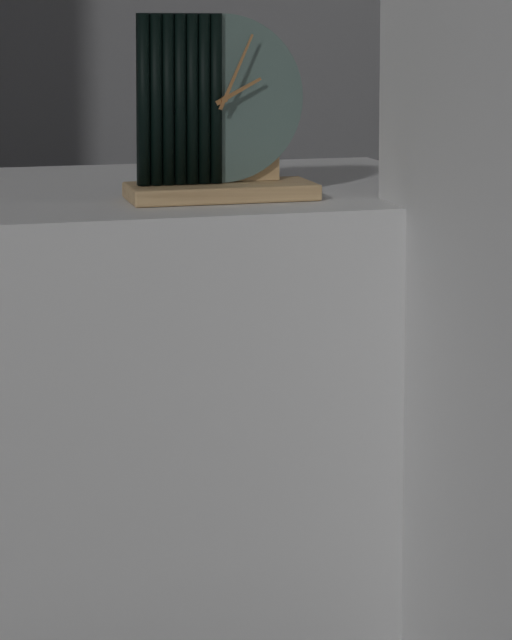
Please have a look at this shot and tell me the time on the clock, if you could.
2:04
